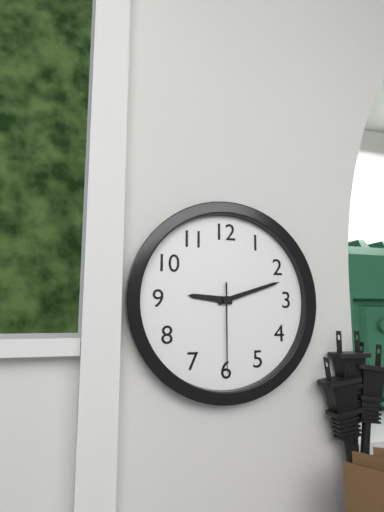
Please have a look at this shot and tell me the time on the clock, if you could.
9:12:30
